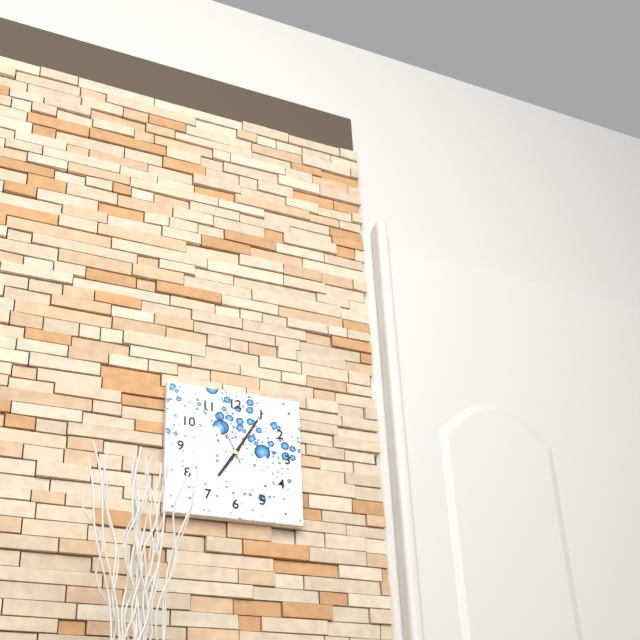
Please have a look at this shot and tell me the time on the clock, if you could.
7:05:56
